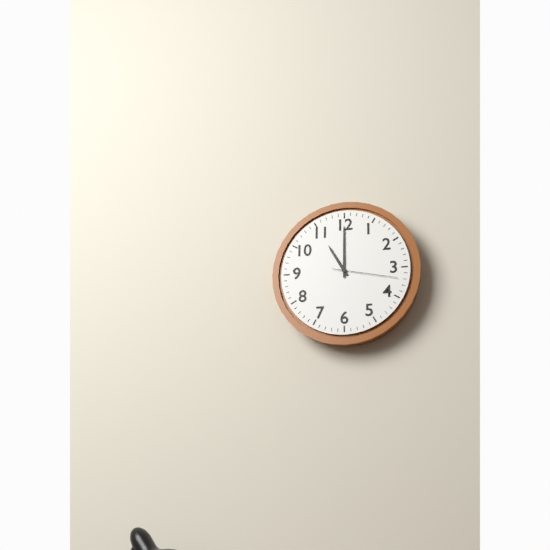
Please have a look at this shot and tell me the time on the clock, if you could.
11:00:17
